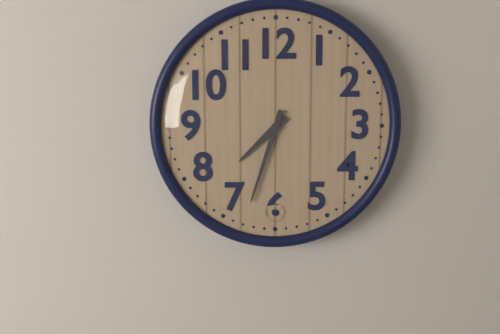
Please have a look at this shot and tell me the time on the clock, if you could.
7:33
